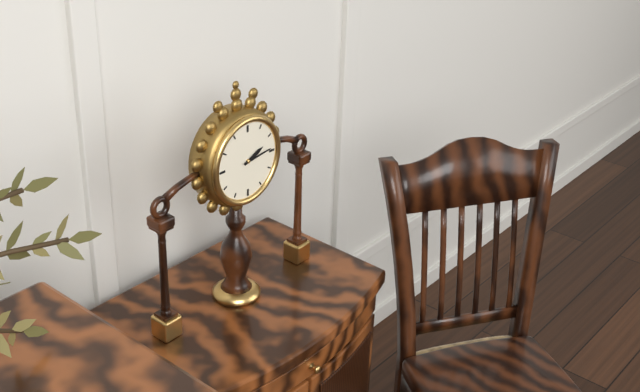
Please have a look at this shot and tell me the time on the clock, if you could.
2:14
